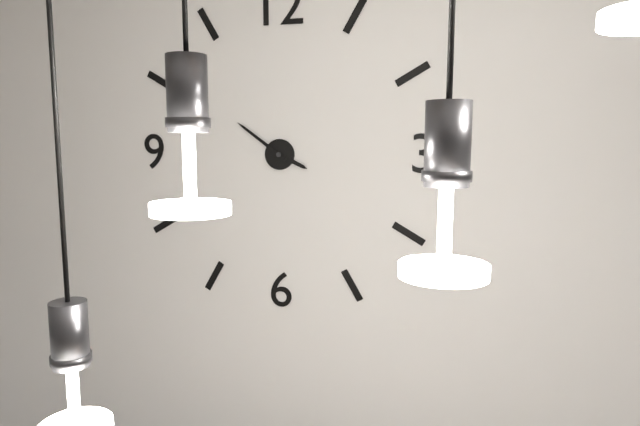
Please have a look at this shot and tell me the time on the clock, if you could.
3:51
